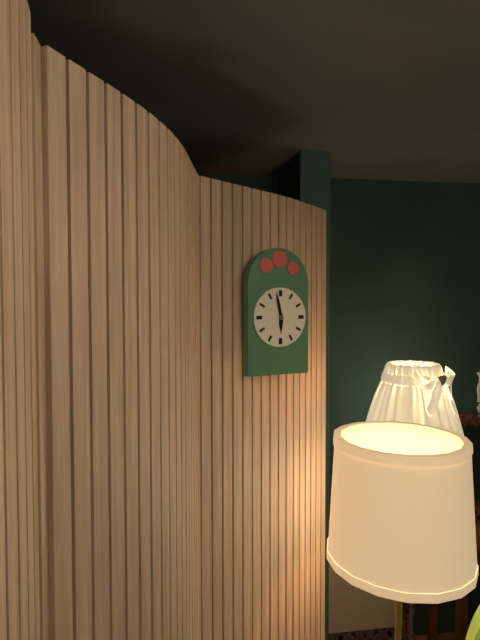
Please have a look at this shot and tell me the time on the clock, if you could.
5:58
